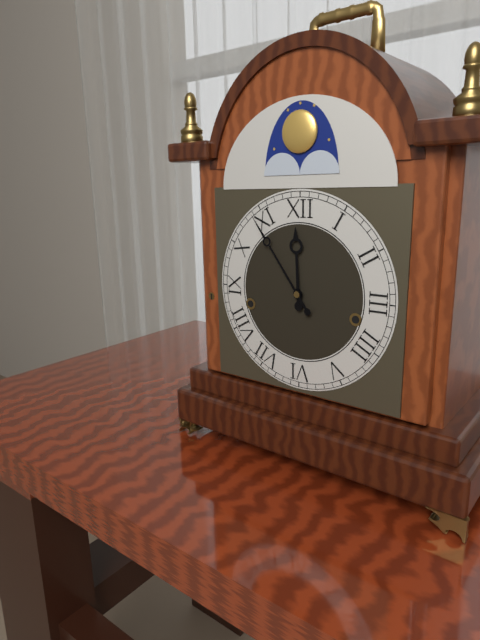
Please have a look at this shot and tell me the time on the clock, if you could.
11:54
